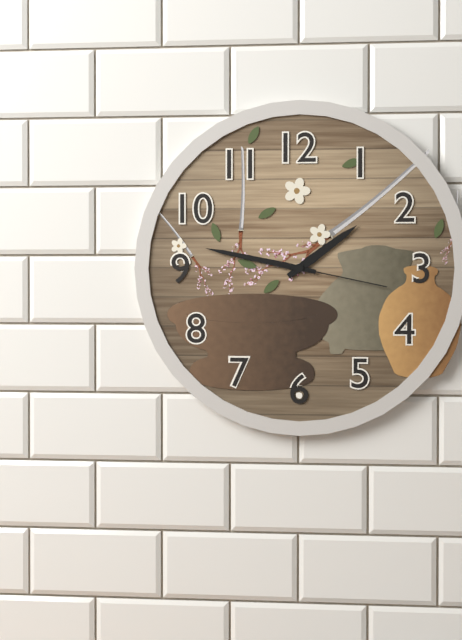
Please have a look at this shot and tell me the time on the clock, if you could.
1:47:17
